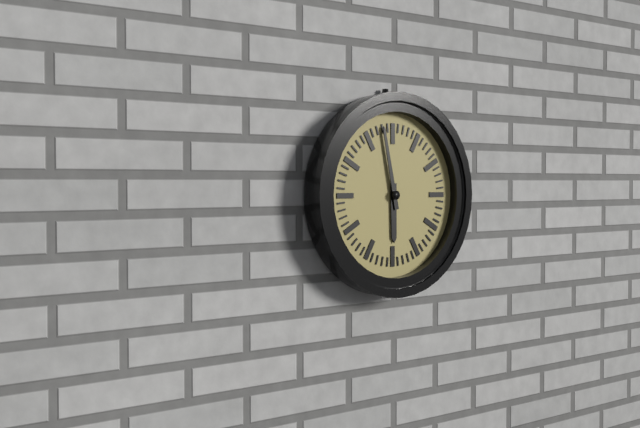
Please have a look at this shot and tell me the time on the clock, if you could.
5:58
